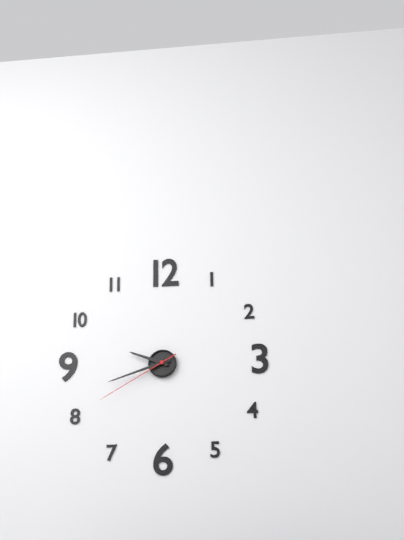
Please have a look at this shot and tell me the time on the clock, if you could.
9:42:40
